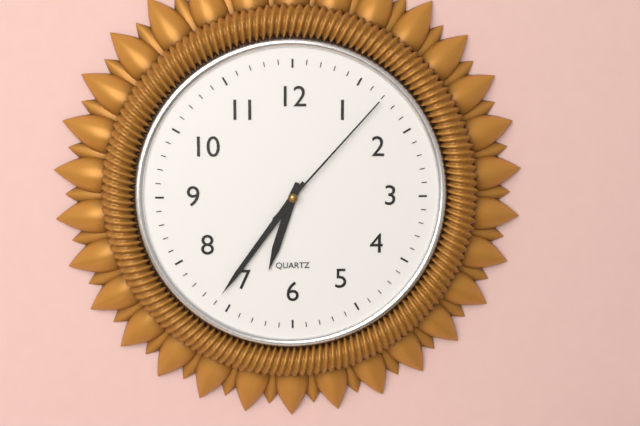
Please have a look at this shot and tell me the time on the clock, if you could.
6:36:07
